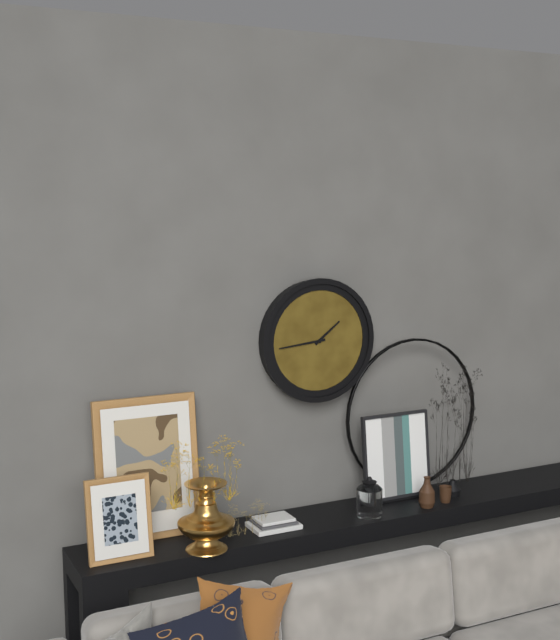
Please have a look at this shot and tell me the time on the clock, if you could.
1:44
